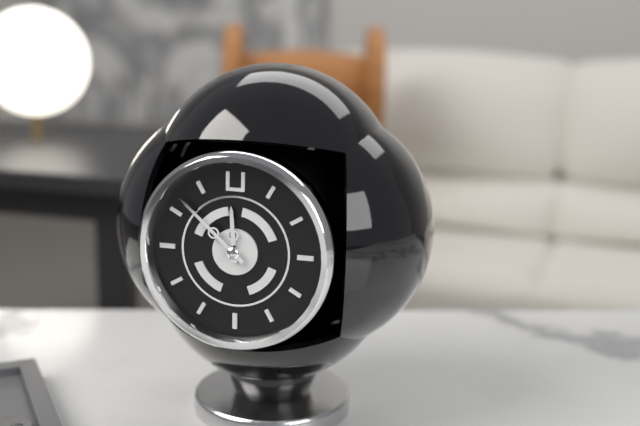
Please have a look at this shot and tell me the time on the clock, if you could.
11:52
